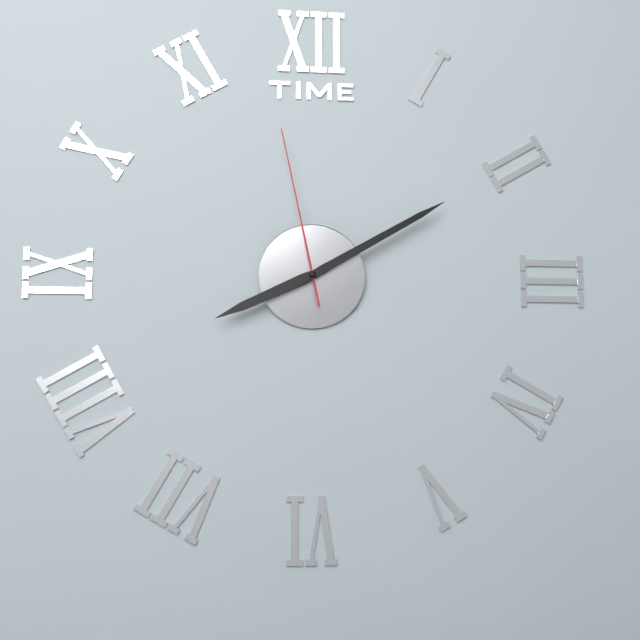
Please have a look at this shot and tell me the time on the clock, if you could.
8:10:58
